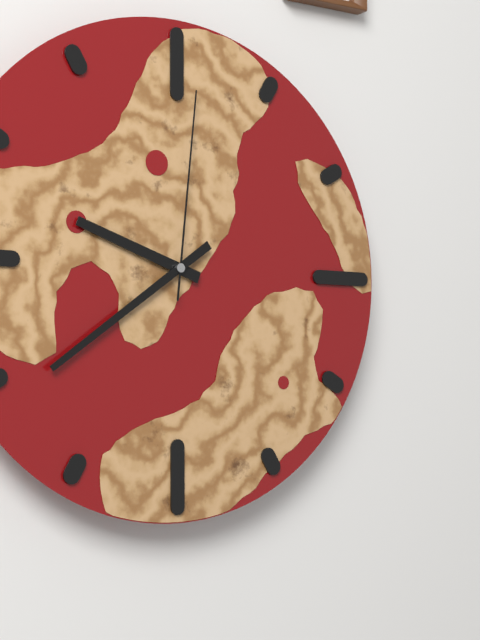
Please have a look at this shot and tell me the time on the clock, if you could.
9:39:01
